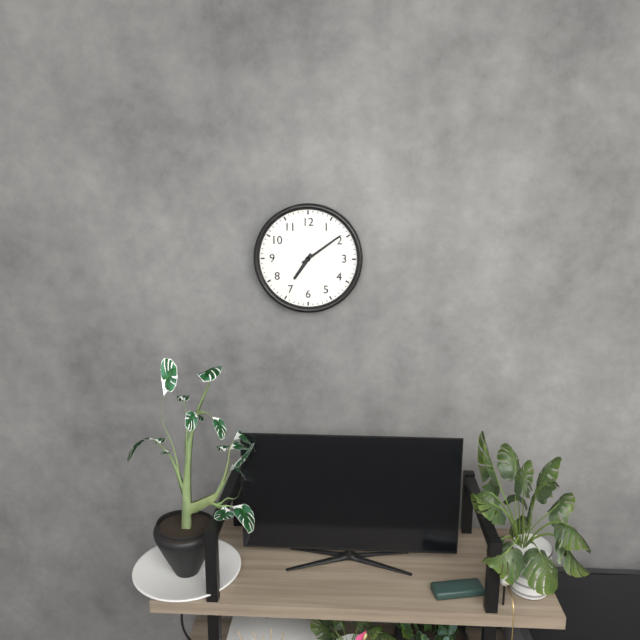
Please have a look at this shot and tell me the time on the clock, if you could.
7:09
